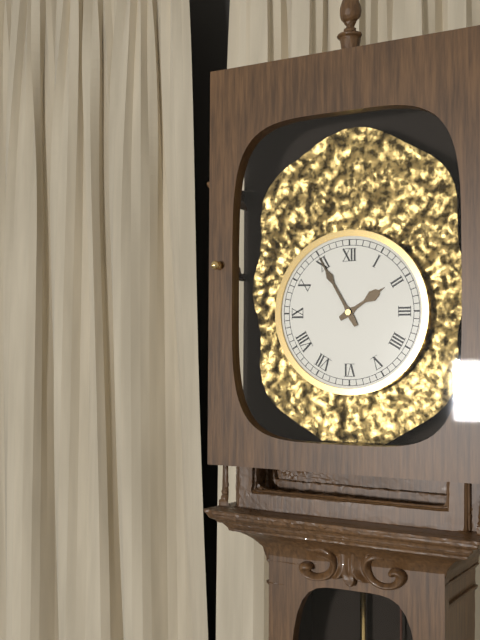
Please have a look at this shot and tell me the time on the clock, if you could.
1:55
